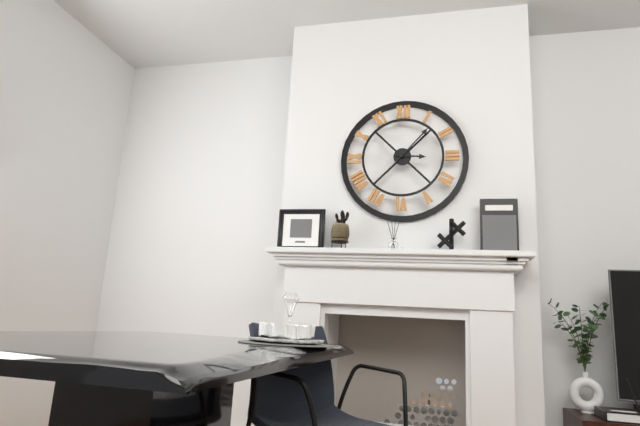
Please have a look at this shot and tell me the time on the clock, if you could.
3:07
